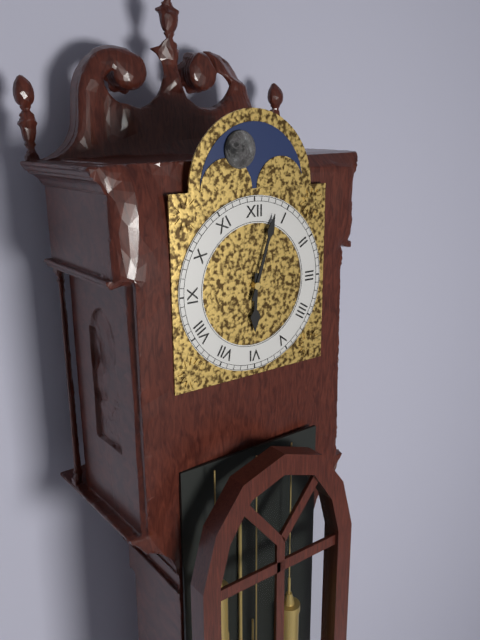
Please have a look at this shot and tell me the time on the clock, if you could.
6:03
